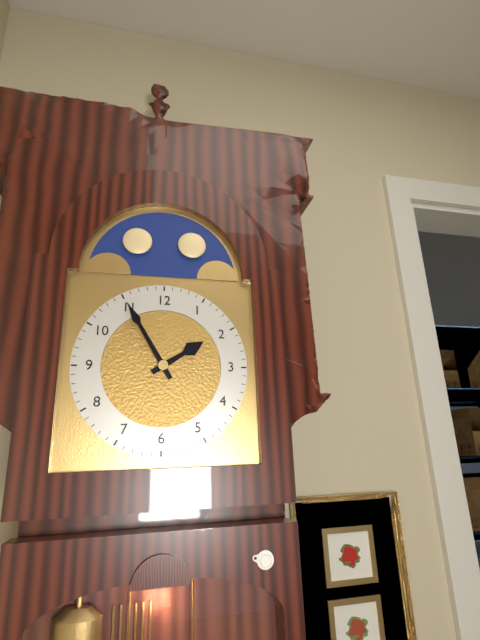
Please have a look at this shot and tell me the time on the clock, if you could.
1:55
